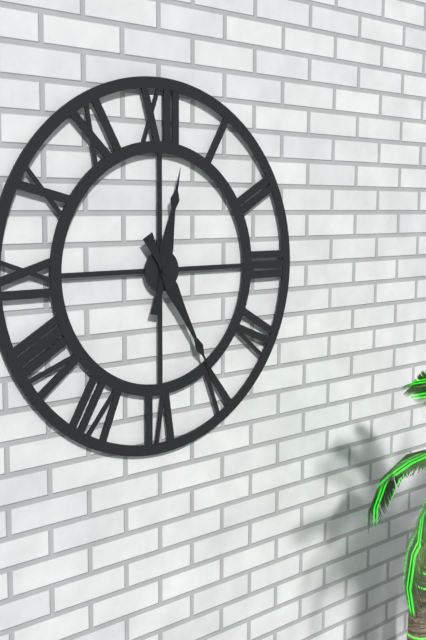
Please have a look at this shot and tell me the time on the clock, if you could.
12:25
